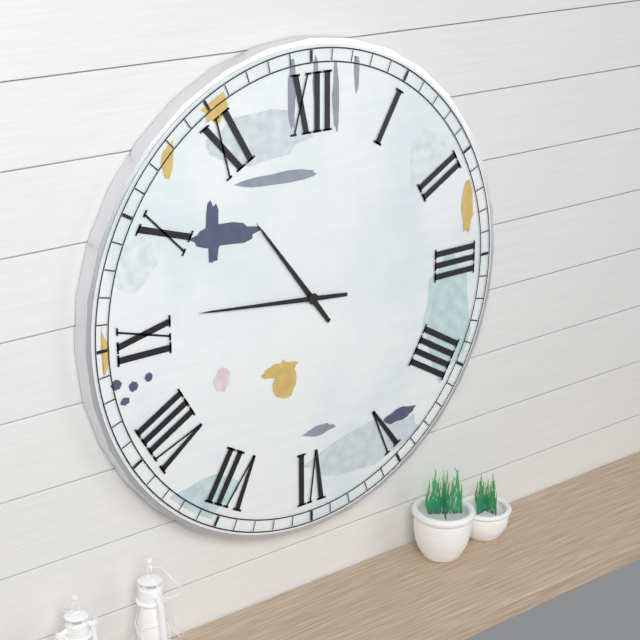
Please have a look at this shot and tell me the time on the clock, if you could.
10:46
